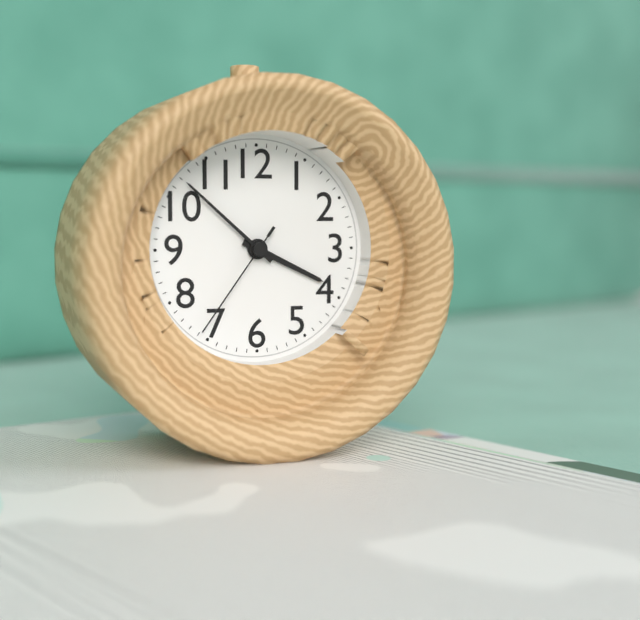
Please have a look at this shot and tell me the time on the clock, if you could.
3:52:36
